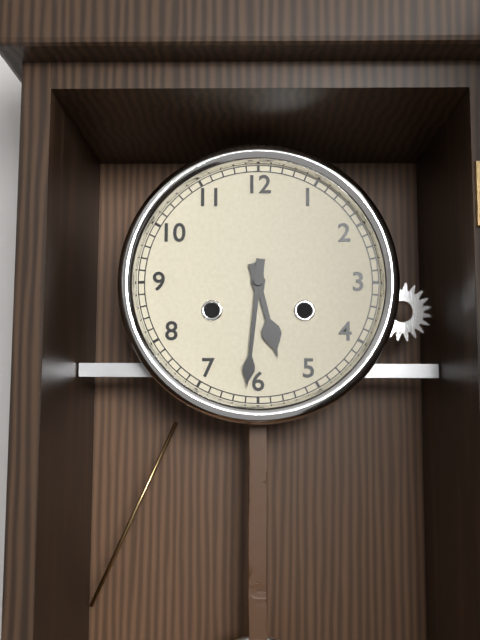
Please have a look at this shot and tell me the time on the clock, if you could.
5:31
